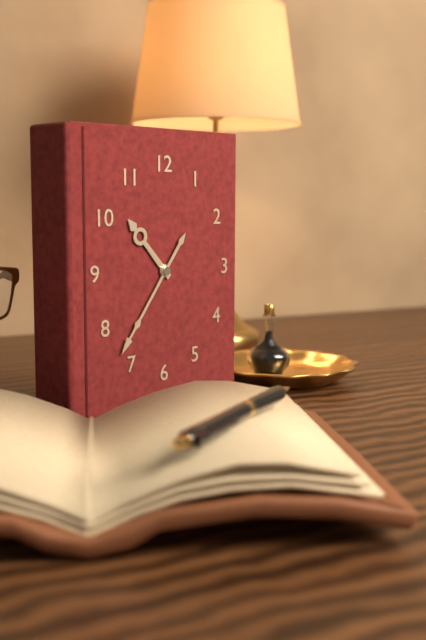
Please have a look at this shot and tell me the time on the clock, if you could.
10:36
